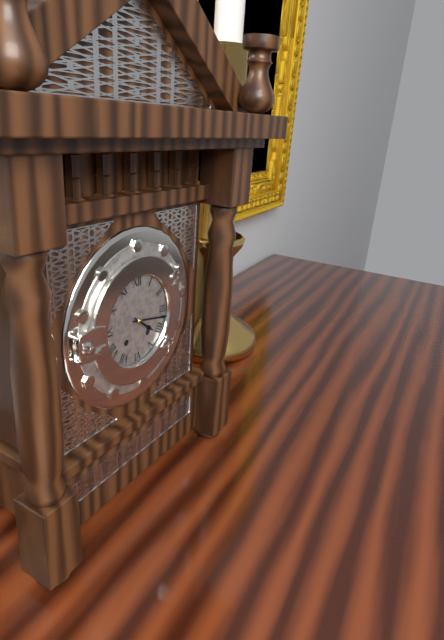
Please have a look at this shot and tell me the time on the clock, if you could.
4:17
